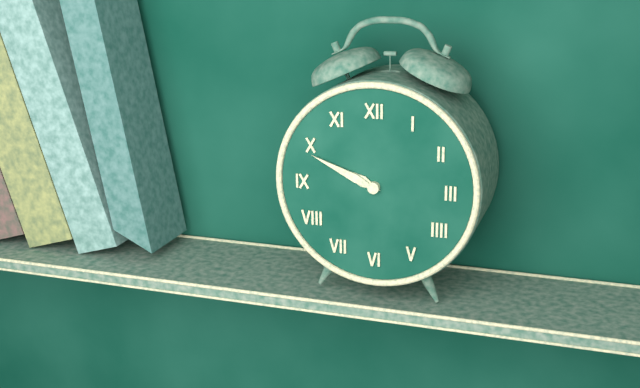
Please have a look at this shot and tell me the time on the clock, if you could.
9:49
